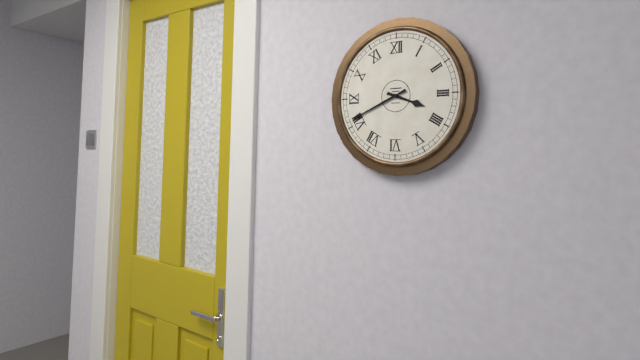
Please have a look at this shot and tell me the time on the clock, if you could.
3:41
